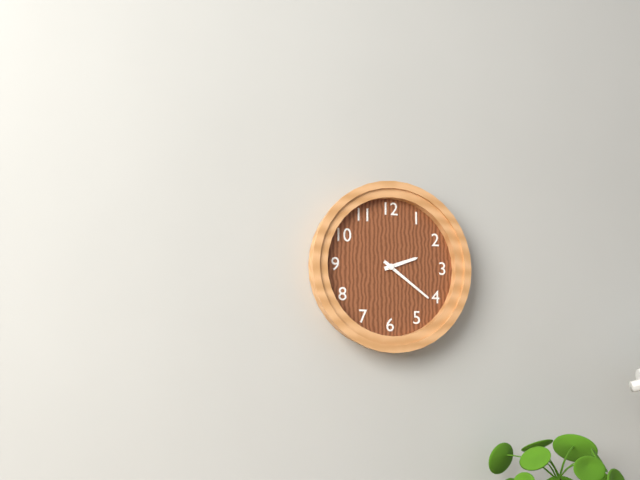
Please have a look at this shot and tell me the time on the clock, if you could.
2:21
